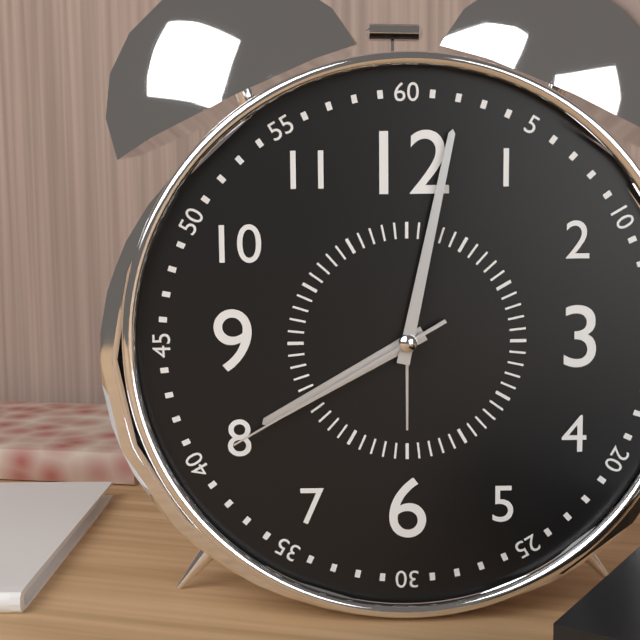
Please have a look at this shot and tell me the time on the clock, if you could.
8:02:40
